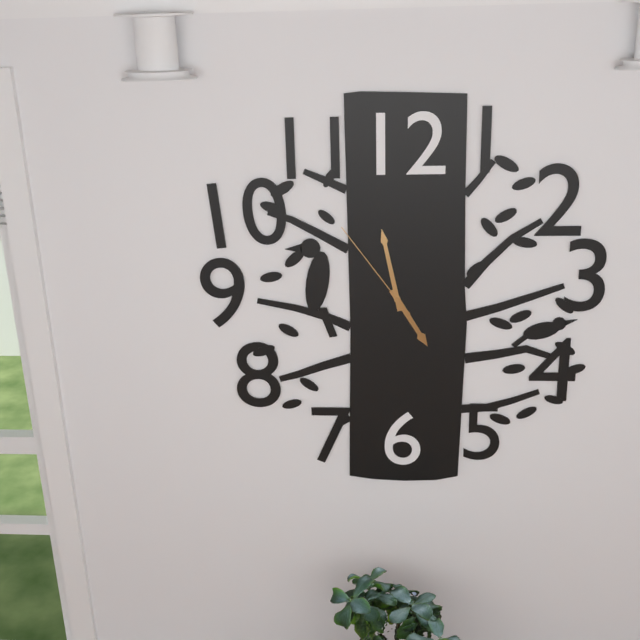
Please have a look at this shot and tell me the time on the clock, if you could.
4:58:54
